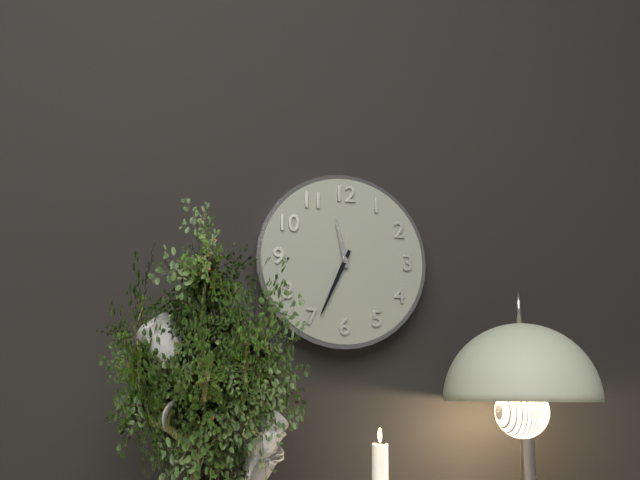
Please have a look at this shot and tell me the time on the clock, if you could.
11:34
